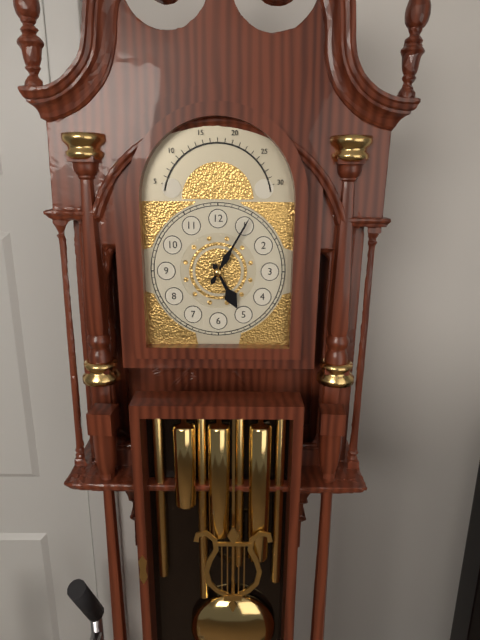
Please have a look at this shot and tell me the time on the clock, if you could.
5:05
